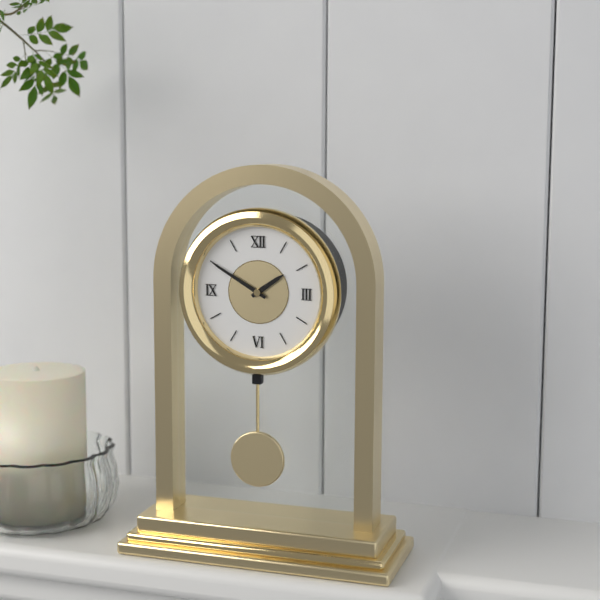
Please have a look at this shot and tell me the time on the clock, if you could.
1:50
